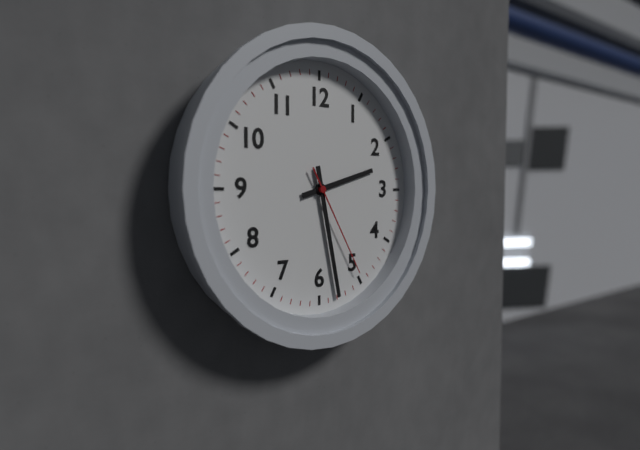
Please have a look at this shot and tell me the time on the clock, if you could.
2:28:25
